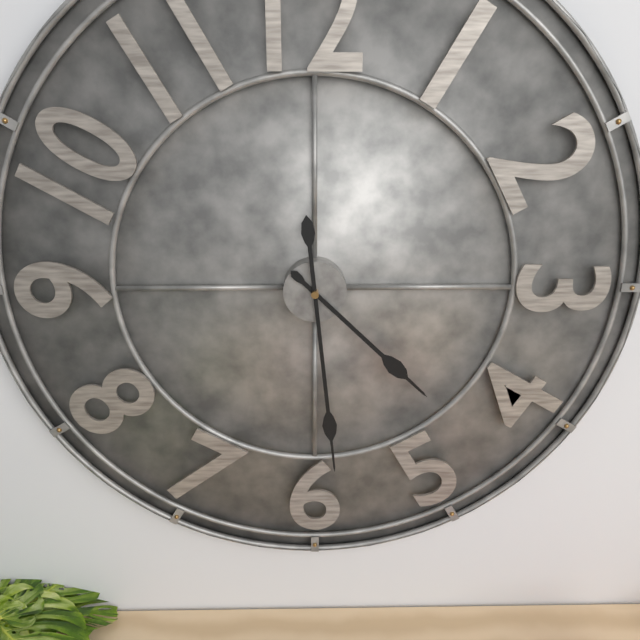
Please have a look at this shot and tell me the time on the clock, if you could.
4:29
